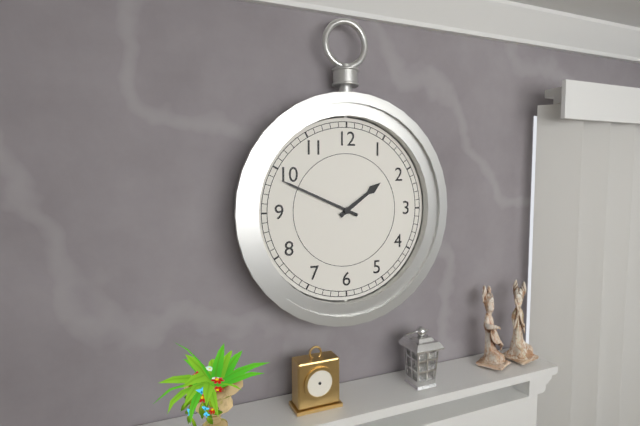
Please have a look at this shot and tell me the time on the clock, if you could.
1:49
